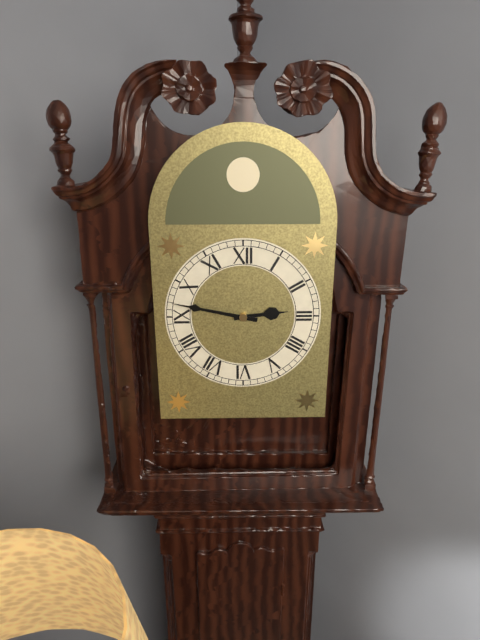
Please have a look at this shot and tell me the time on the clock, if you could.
2:47
